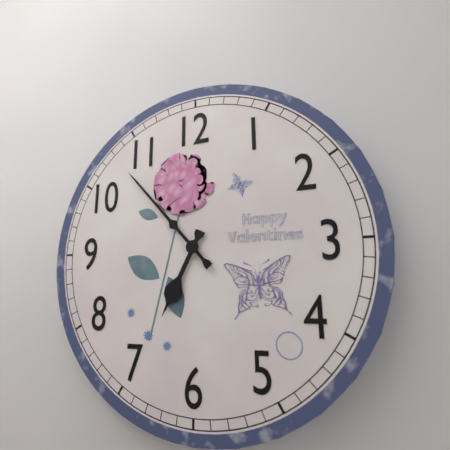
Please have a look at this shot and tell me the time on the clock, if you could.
6:53
